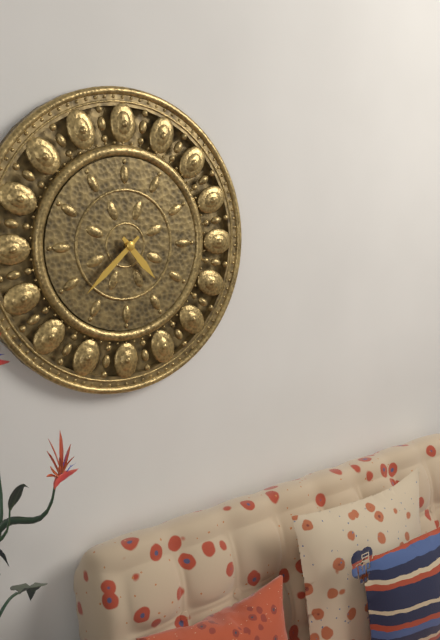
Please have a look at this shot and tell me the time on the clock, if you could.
4:38
